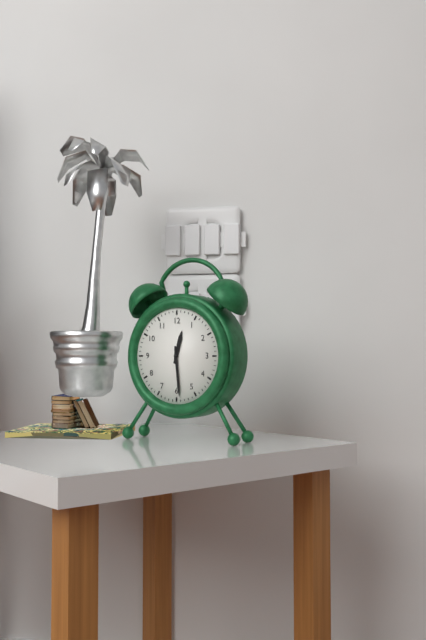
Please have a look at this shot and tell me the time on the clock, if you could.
12:29
